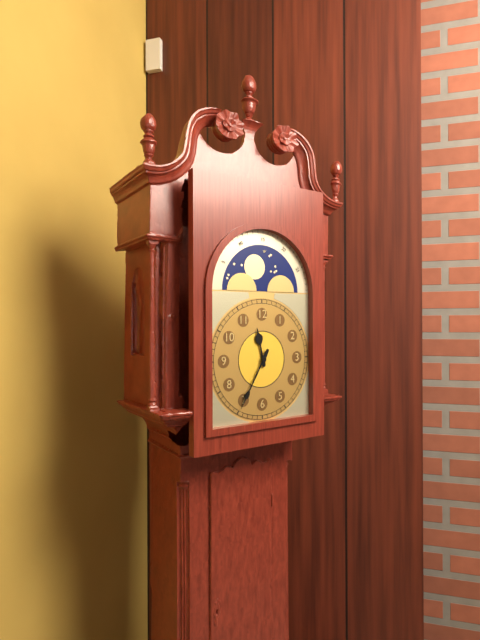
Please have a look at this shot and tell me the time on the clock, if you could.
11:35
